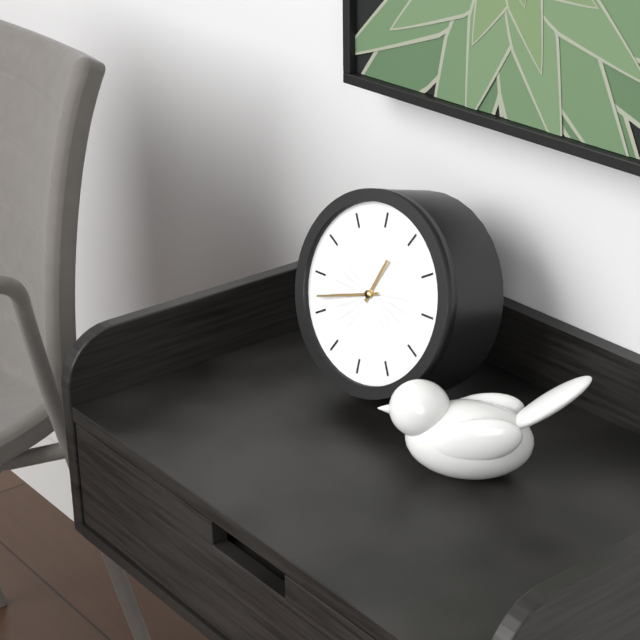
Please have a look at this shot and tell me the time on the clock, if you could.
12:42
